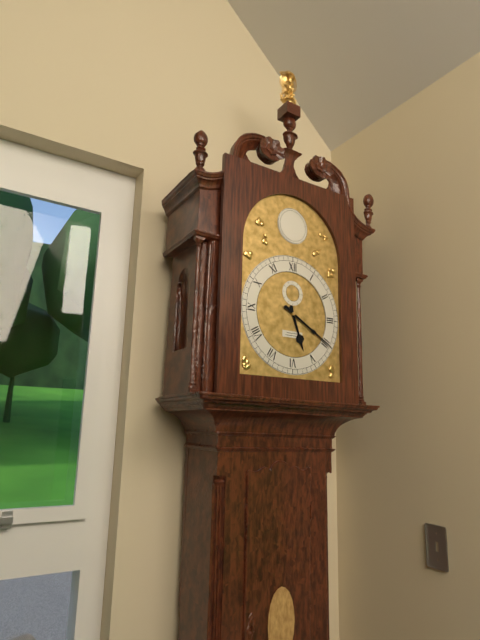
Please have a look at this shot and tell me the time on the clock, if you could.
5:20
